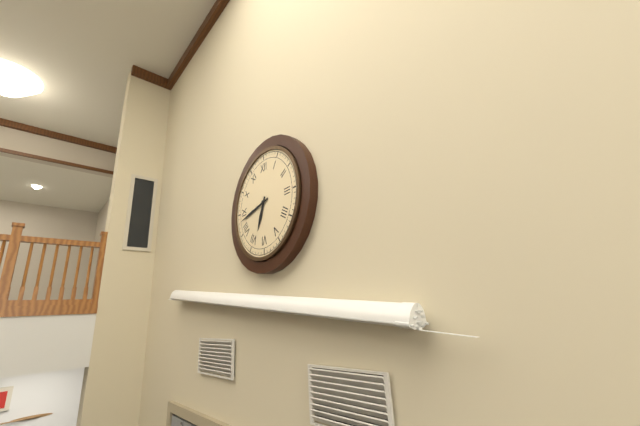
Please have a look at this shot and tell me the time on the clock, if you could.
6:43
